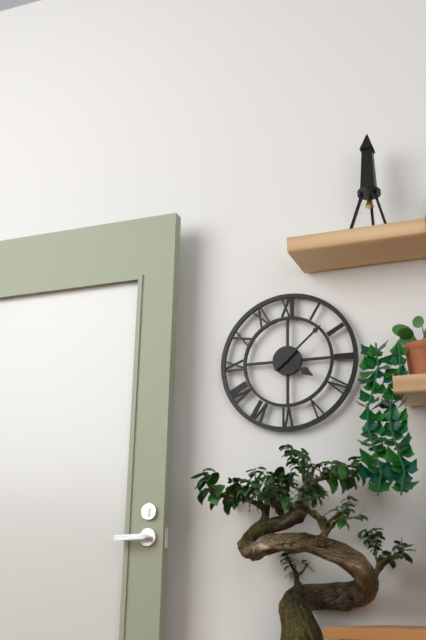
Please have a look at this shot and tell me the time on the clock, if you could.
4:08
